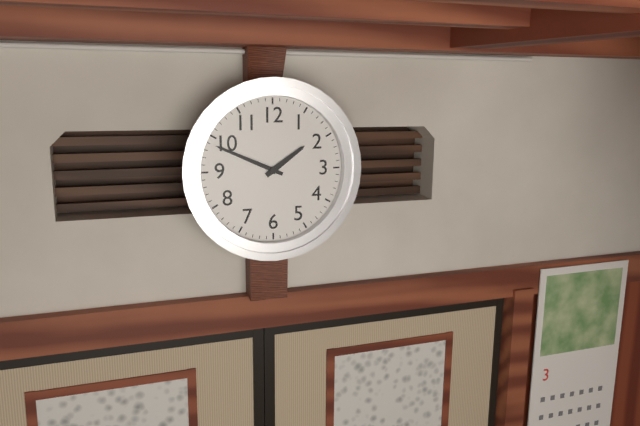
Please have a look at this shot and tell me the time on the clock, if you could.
1:49
